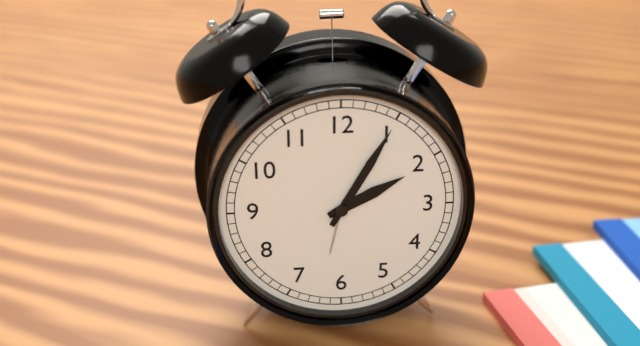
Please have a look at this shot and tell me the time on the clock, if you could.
2:05
